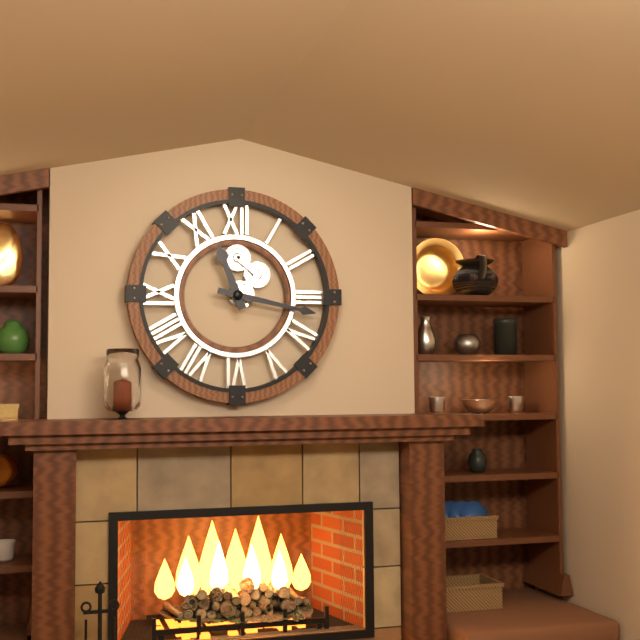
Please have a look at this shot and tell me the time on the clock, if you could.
11:17
